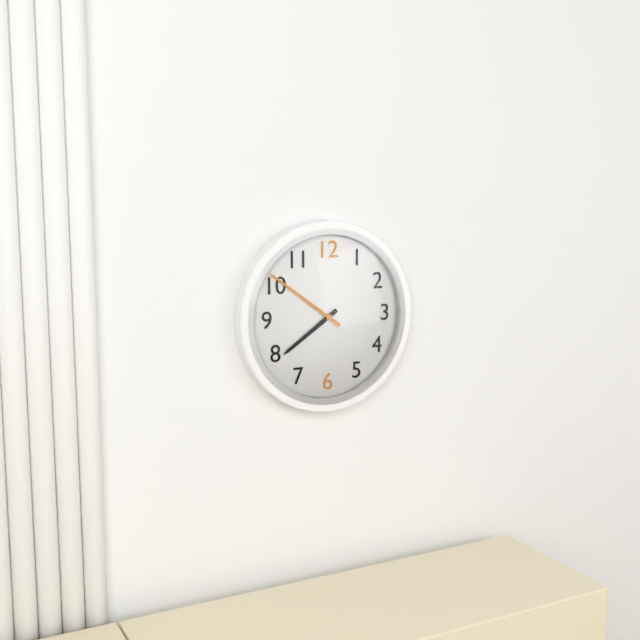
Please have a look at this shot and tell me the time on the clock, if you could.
7:51
